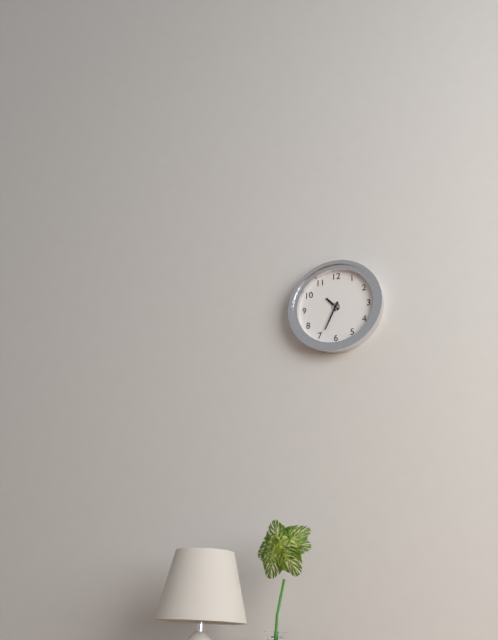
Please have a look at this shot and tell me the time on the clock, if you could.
10:34
